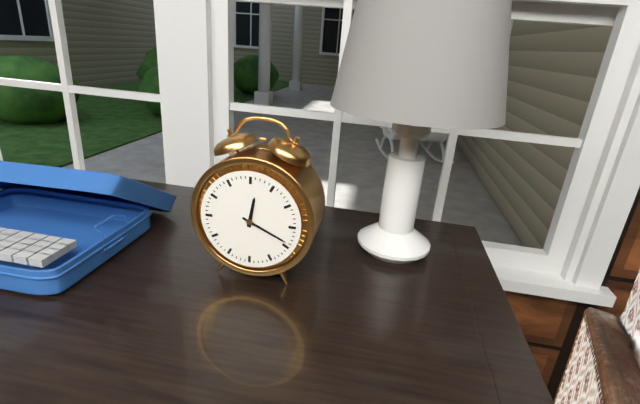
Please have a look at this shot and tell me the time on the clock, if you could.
12:19
